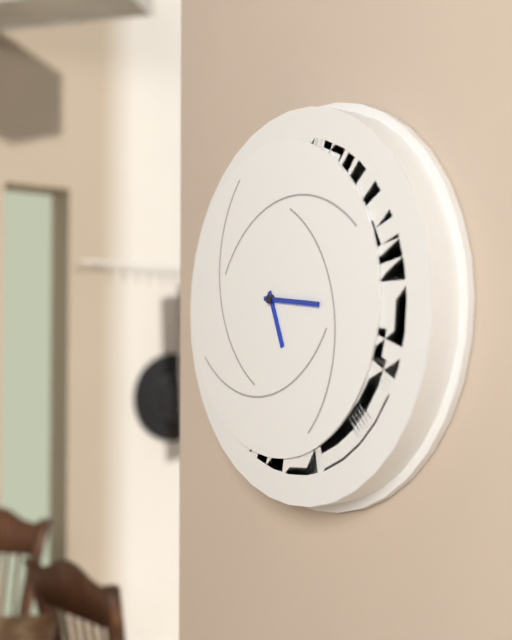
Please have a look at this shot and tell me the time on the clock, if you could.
5:16
